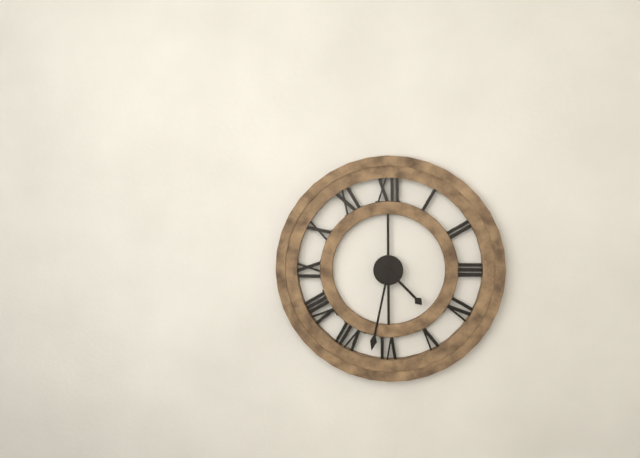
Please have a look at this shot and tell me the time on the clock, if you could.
4:32
